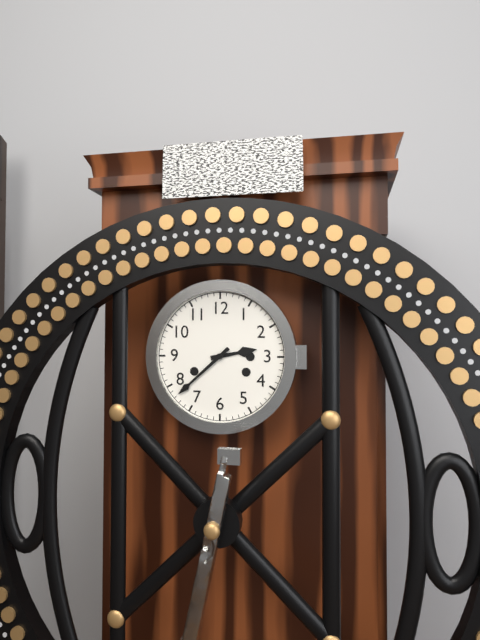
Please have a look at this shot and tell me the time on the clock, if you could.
2:38
